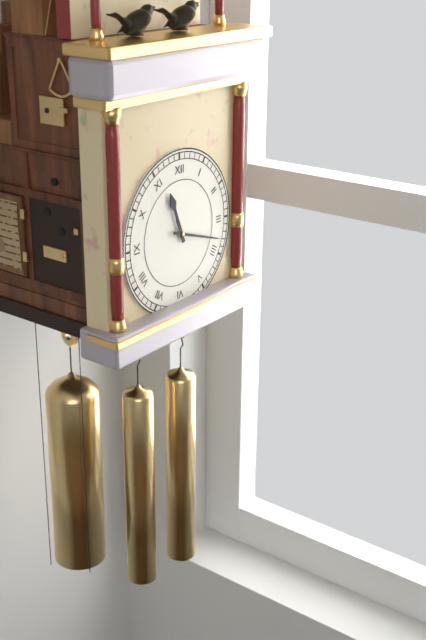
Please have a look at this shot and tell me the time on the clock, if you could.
11:18
